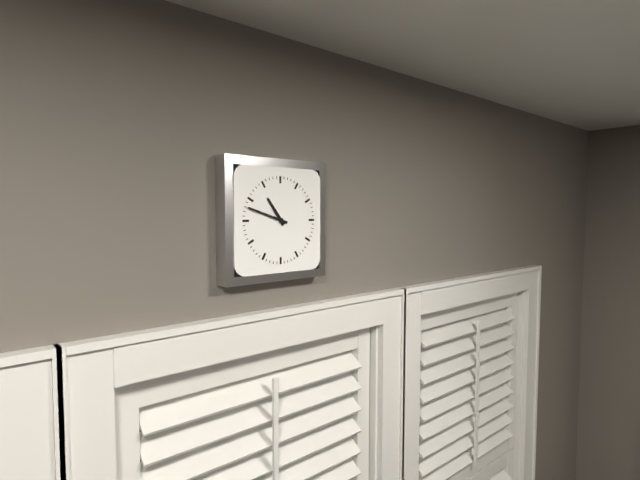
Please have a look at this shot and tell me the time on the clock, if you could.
10:48
